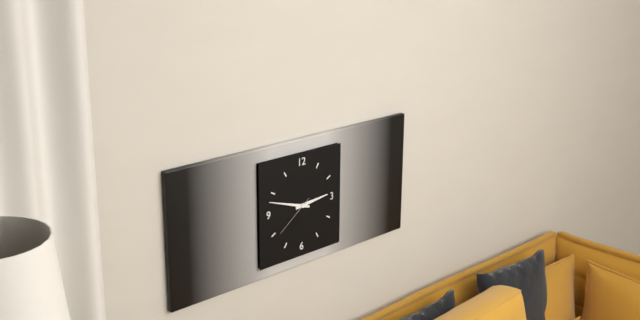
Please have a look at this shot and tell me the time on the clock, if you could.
2:48
